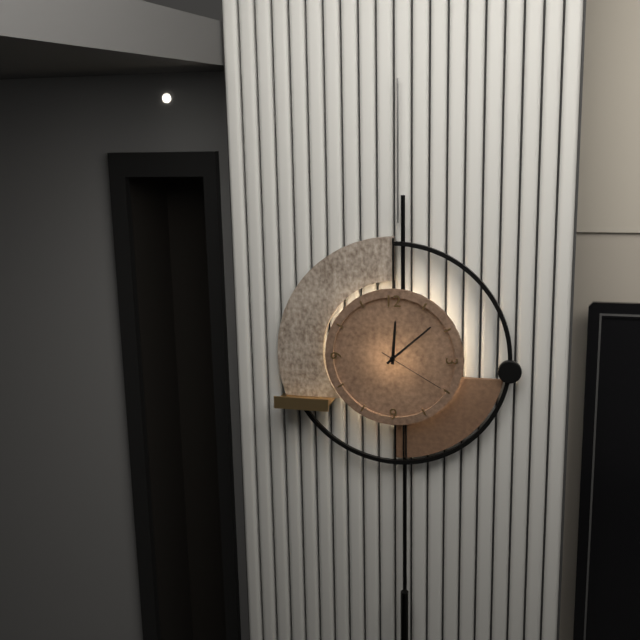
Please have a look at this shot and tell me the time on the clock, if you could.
12:08:20
